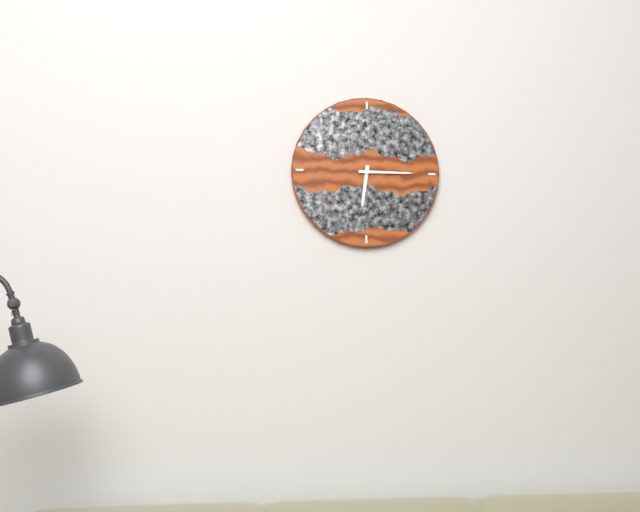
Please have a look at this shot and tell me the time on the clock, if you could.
6:15
